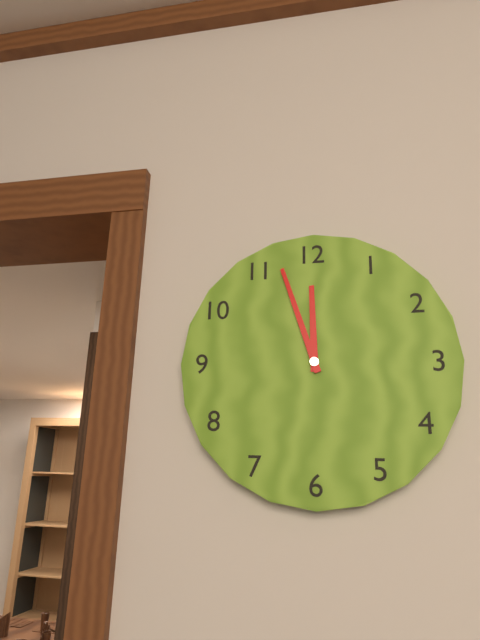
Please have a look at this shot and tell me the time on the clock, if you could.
11:57
